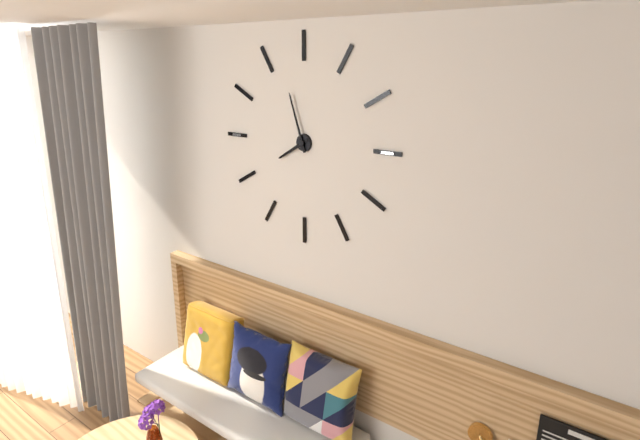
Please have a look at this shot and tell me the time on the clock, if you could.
7:57
